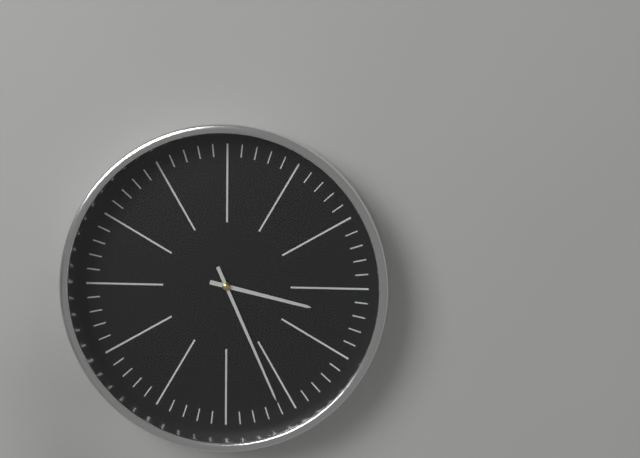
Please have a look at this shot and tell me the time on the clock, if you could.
3:26
